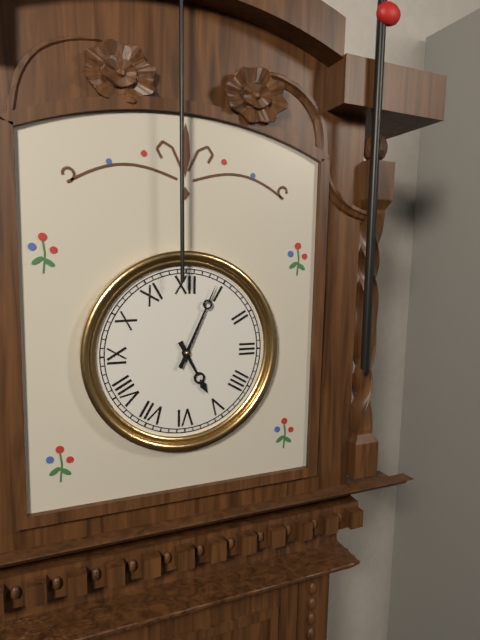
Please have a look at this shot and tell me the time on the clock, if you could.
5:04
